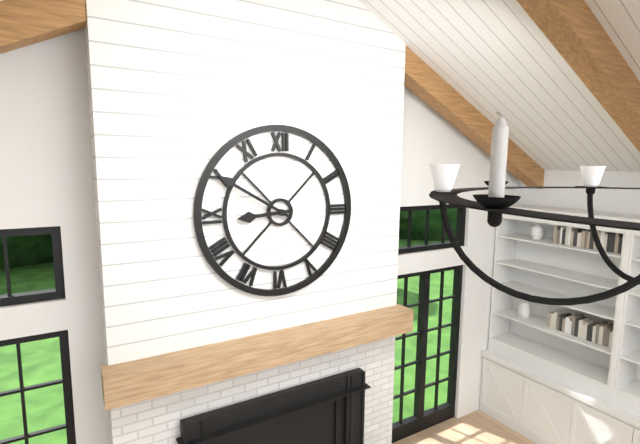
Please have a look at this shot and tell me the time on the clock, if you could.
8:50
